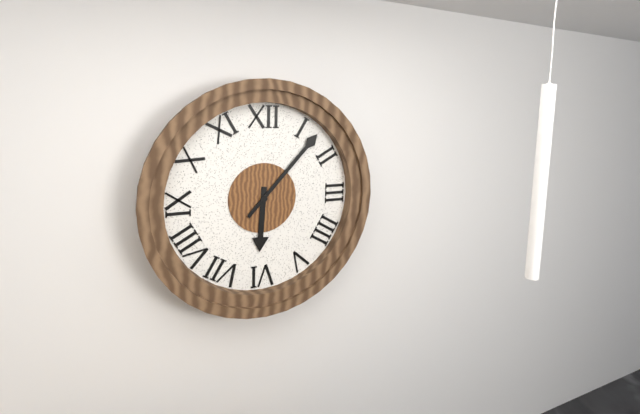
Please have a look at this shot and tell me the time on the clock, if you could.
6:07
